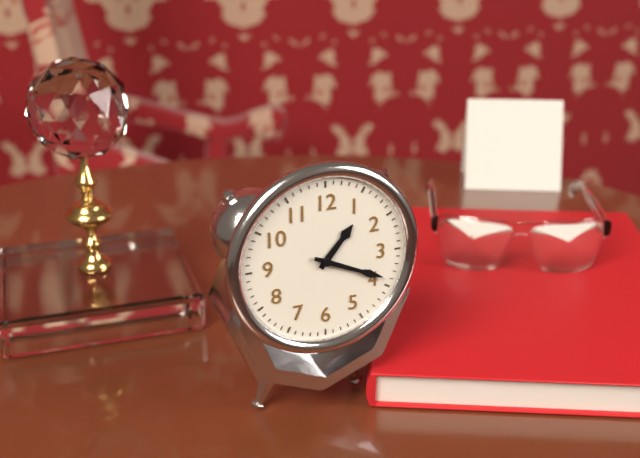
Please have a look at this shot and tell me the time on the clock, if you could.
1:19
